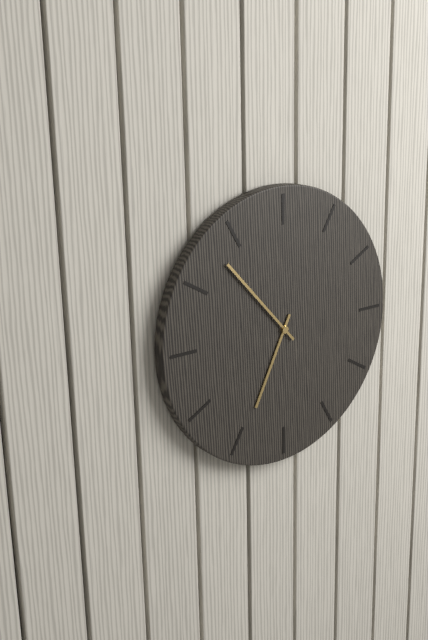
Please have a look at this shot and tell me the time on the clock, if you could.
6:53
